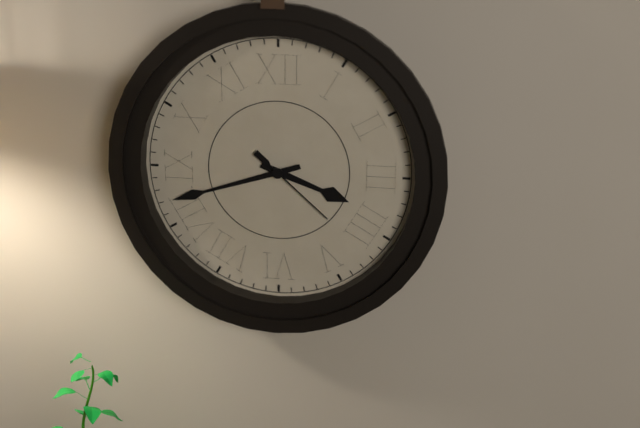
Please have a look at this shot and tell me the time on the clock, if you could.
3:42:22
